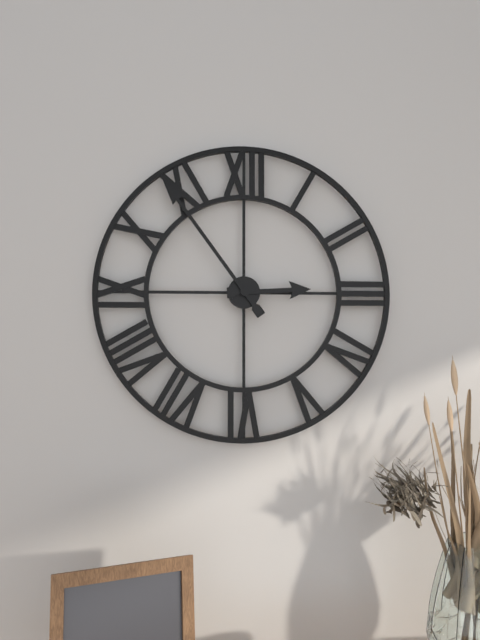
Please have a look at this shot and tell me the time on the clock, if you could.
2:54
